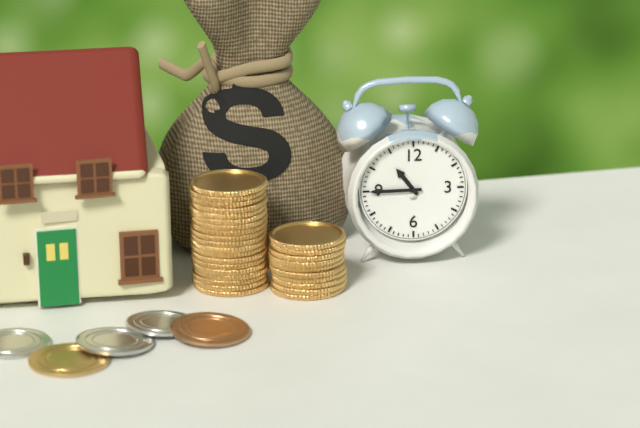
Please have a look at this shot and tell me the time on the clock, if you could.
10:45
